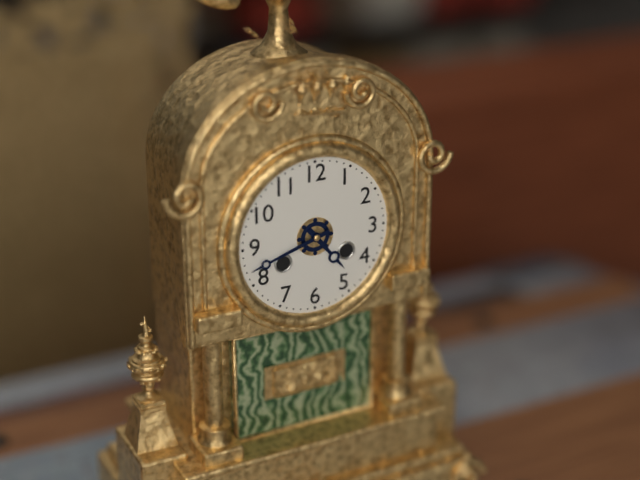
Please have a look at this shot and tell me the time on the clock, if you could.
4:42
